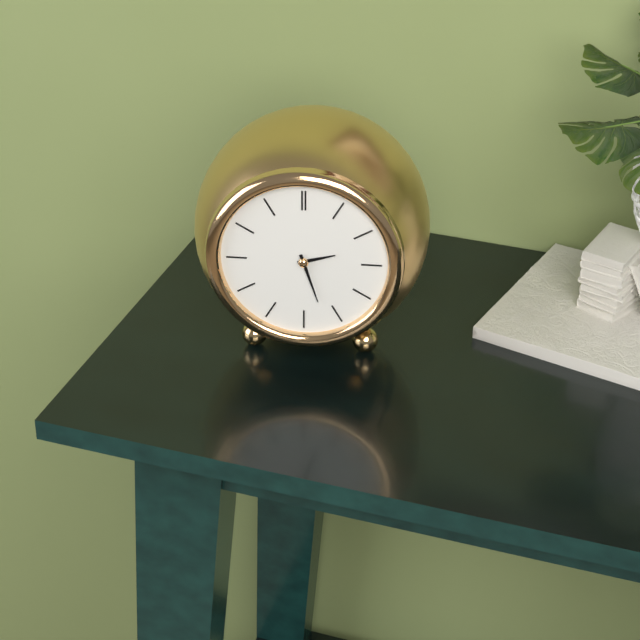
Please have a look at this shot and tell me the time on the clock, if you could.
2:27
